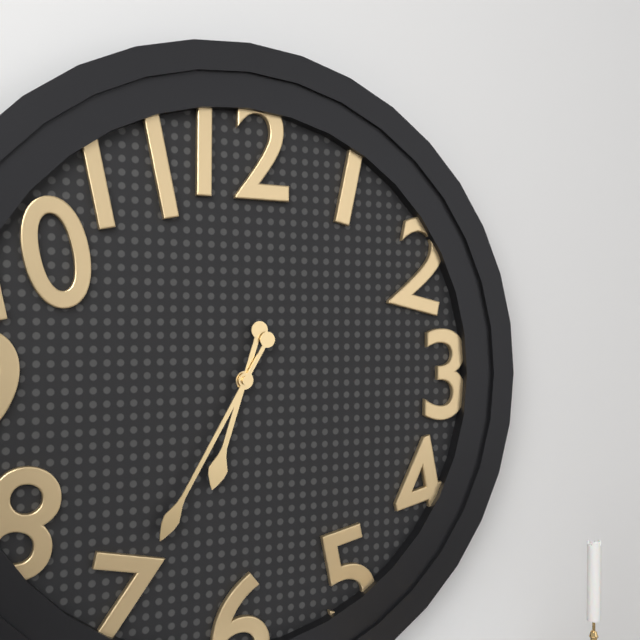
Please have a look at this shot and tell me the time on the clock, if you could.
6:35
